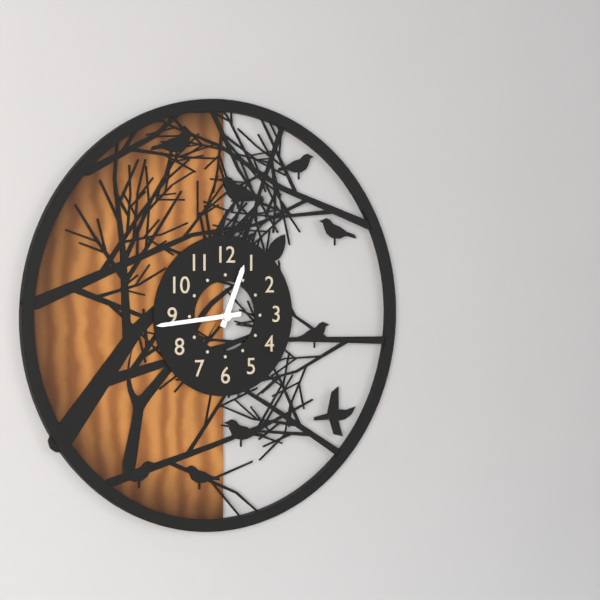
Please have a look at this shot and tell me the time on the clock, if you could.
12:44
